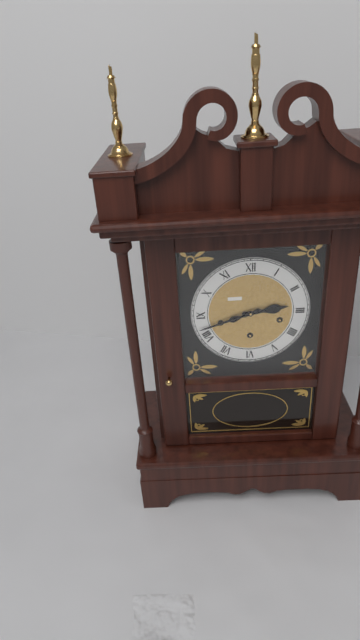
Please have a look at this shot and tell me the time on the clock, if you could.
2:42
